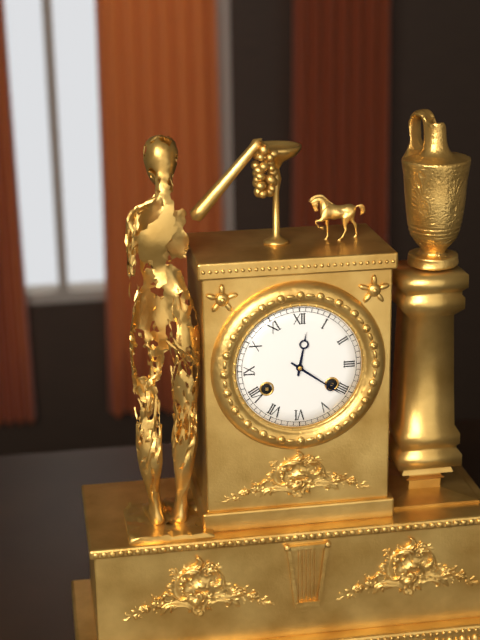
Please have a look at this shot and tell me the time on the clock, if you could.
12:21
